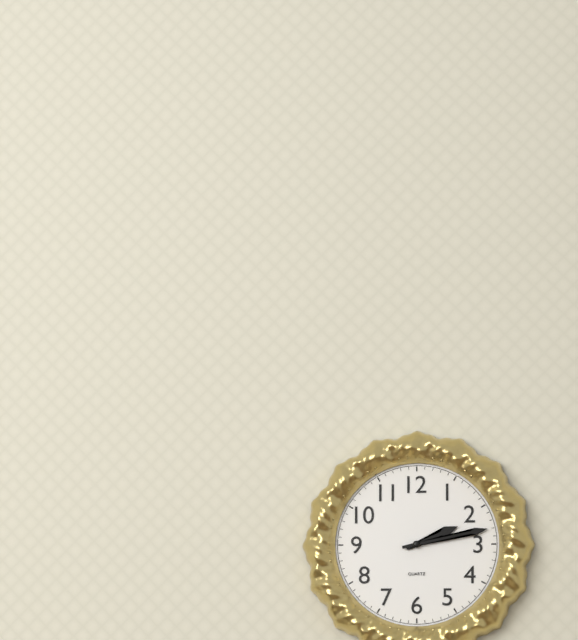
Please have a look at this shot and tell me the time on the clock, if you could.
2:13
